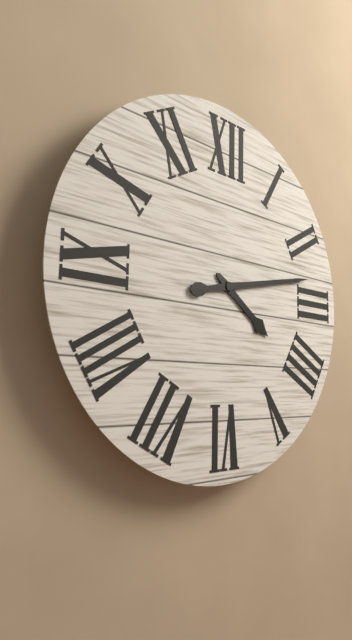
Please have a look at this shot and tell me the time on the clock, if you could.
4:13
